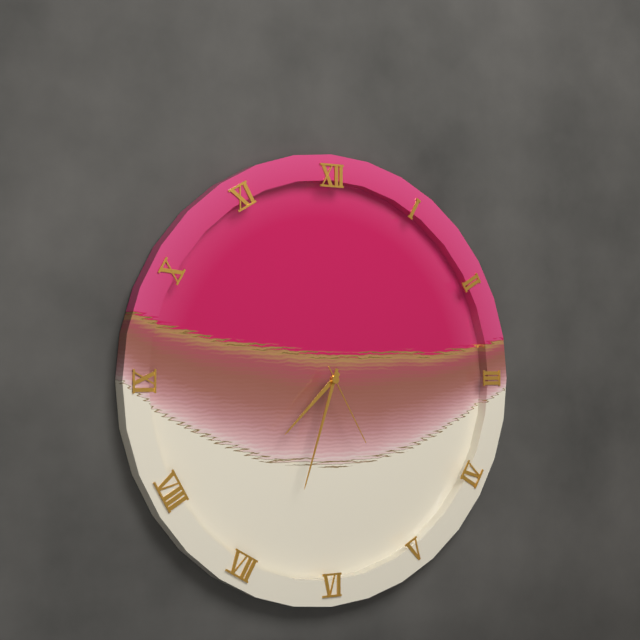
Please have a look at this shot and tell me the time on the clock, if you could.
7:33:25
